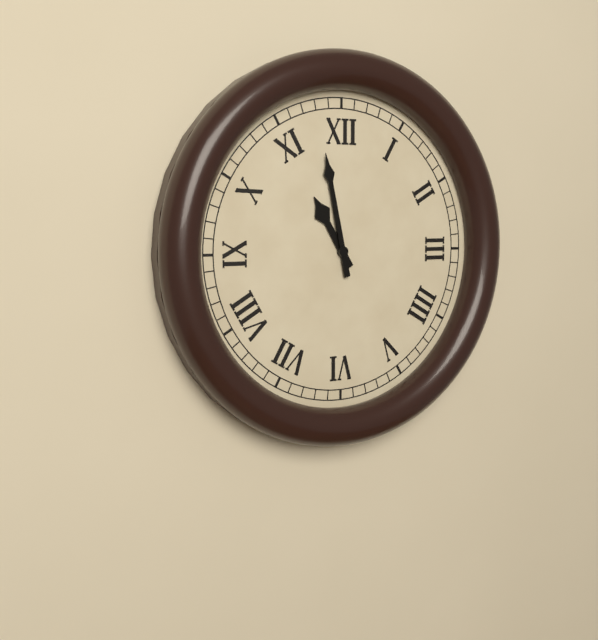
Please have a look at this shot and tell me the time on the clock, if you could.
10:58
